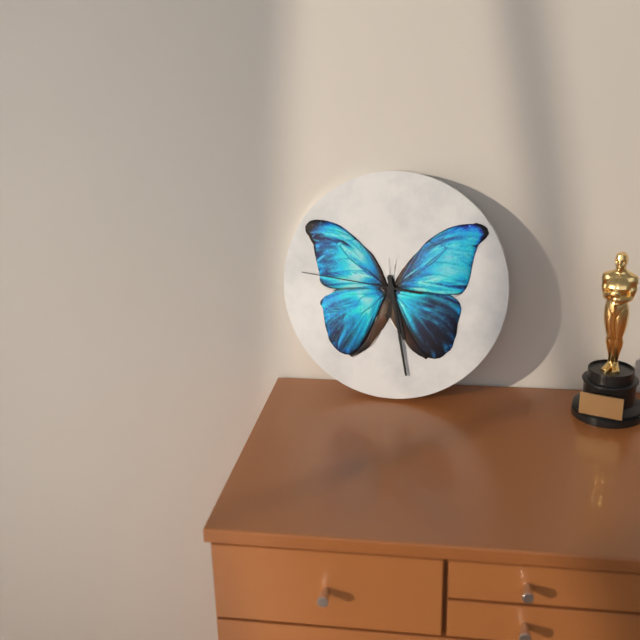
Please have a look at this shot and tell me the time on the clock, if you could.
5:28:46
